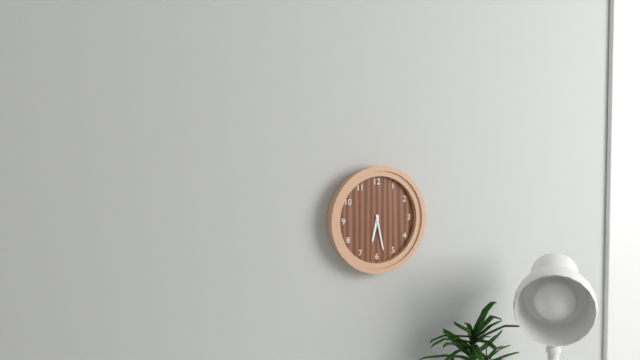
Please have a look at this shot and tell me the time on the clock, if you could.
6:28
